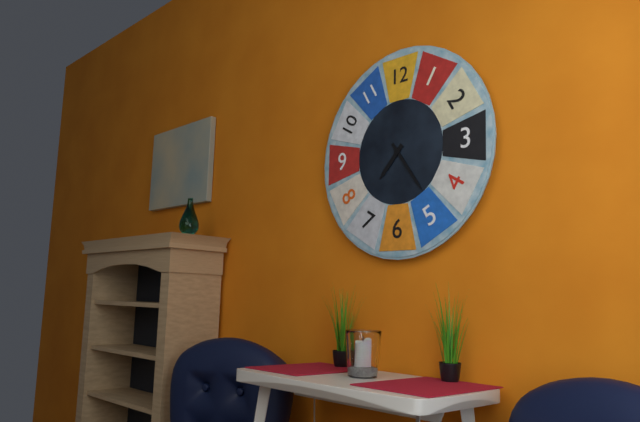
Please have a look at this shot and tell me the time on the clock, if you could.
7:24
